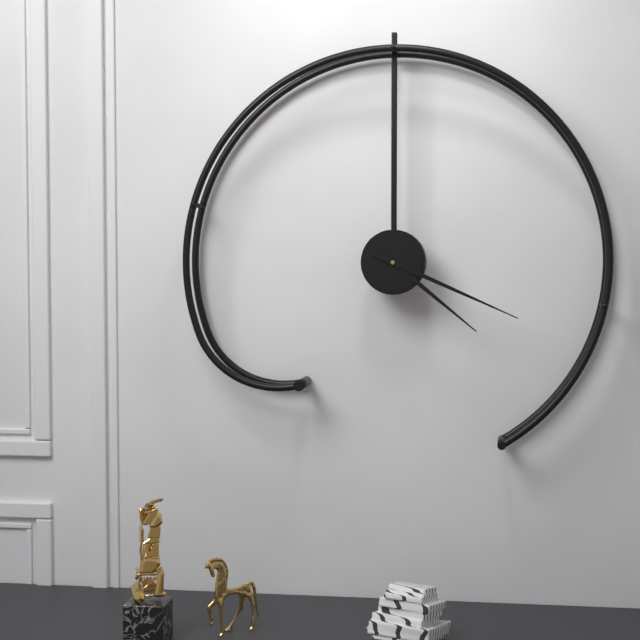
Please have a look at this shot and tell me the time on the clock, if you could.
4:19
